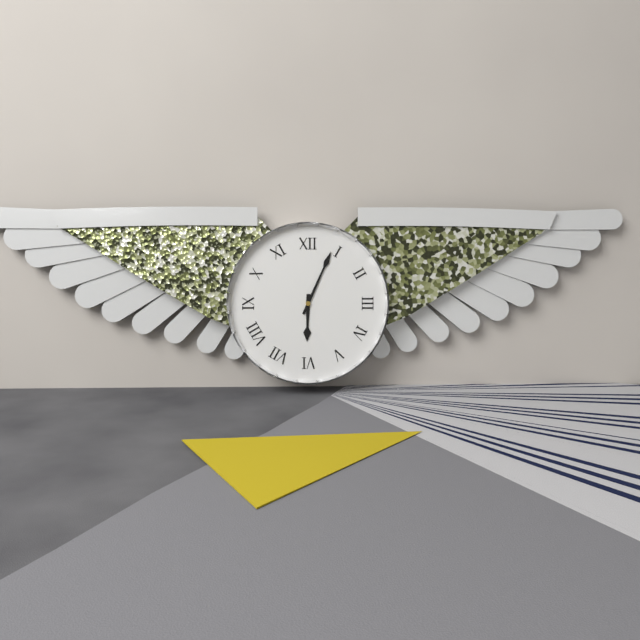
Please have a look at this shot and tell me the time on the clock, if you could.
6:04
